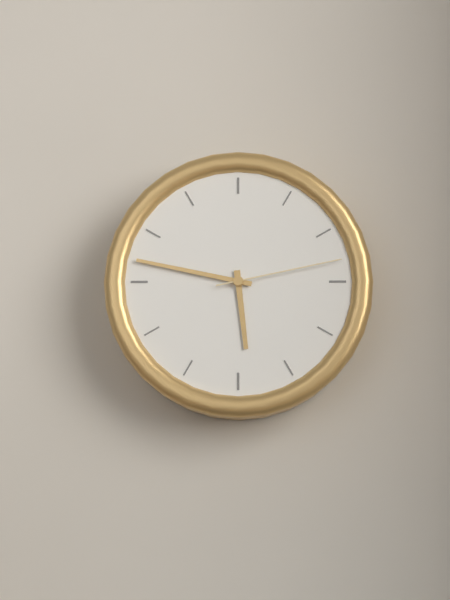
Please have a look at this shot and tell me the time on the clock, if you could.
5:47:13
